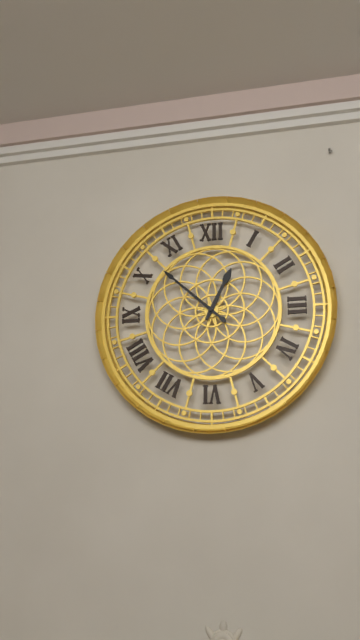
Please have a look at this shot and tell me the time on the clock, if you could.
12:52
